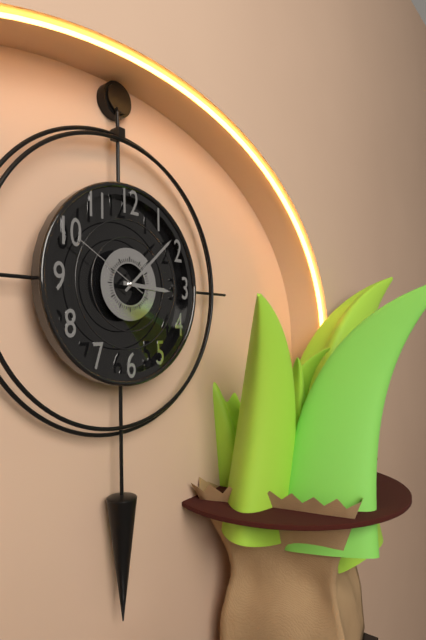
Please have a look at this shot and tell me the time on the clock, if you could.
3:08:50
